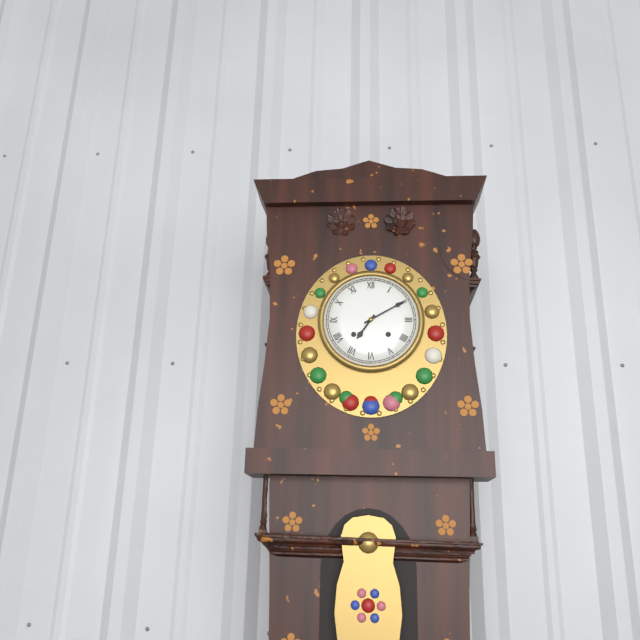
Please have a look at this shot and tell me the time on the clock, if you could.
7:10
